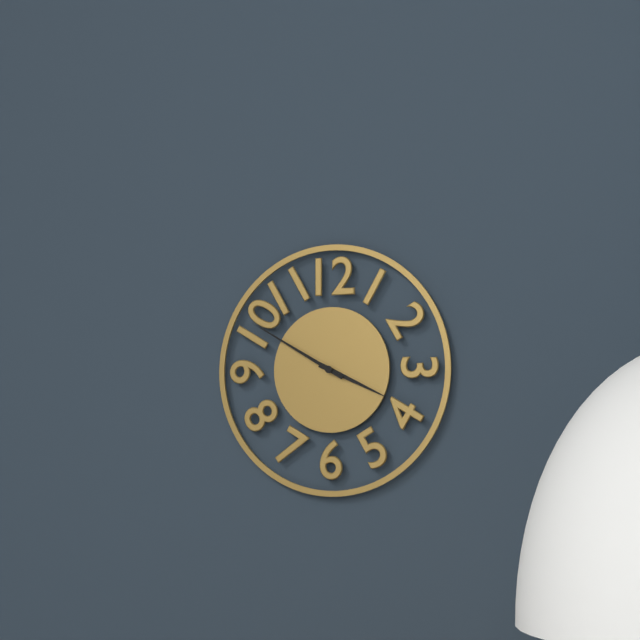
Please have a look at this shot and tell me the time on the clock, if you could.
3:50
